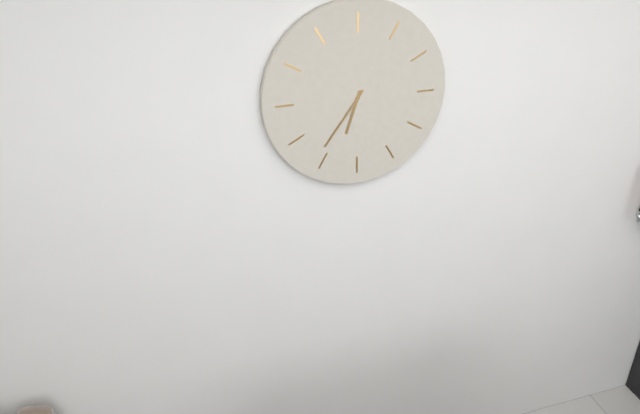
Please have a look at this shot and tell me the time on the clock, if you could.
6:36
